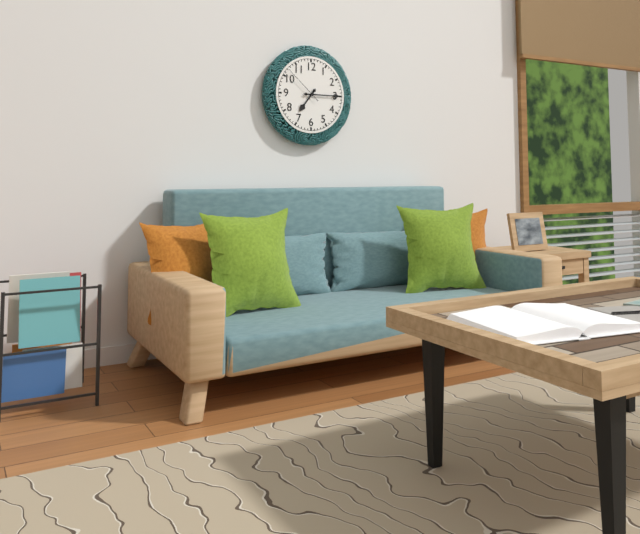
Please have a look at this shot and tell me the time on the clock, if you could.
7:15
